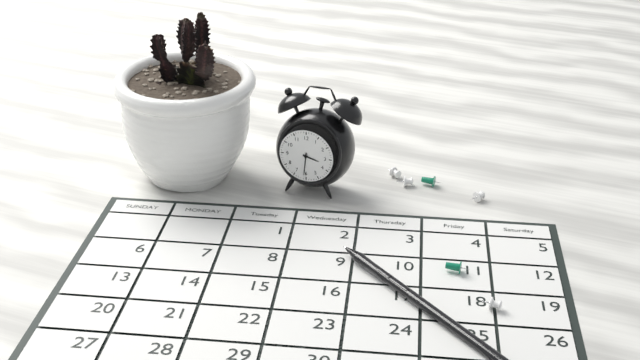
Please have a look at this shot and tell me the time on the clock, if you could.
3:31
